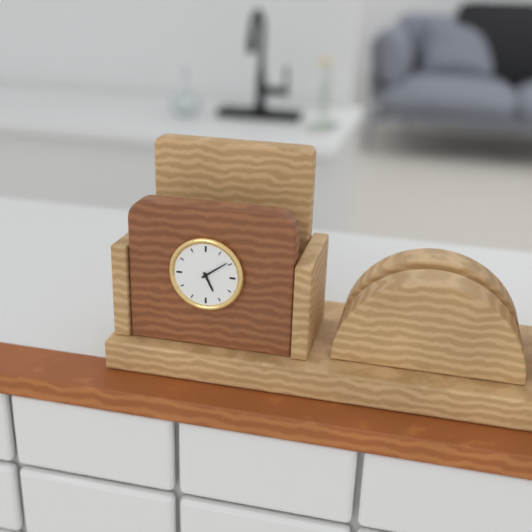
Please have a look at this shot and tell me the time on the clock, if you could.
5:09
